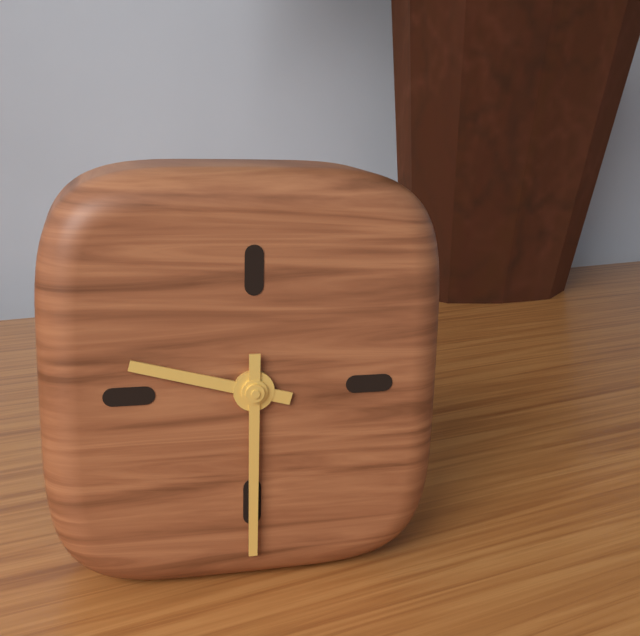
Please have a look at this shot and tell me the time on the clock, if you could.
9:30
